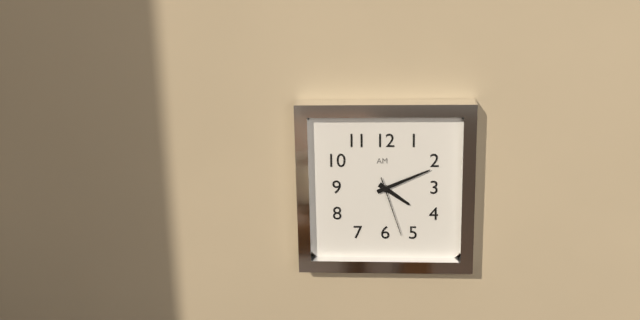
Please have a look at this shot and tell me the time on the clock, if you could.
4:11:27
